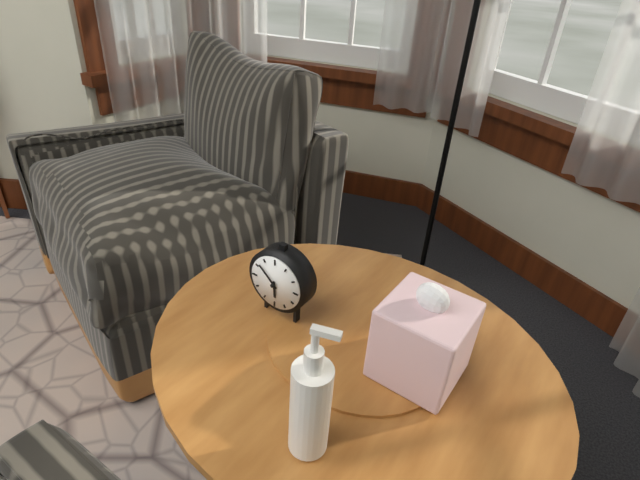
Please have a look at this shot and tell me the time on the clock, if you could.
5:52
